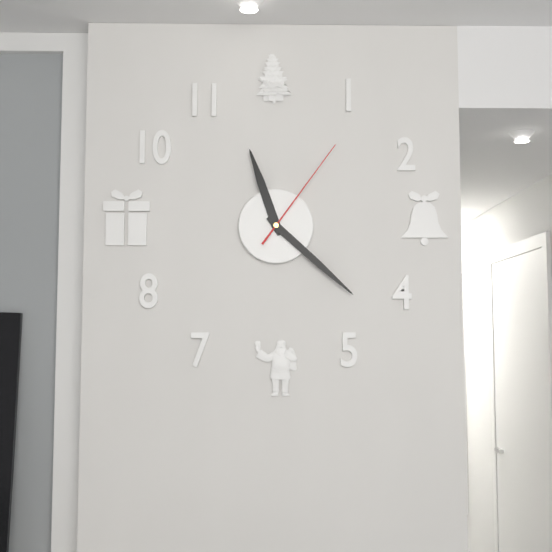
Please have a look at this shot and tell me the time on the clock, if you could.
11:22:06
